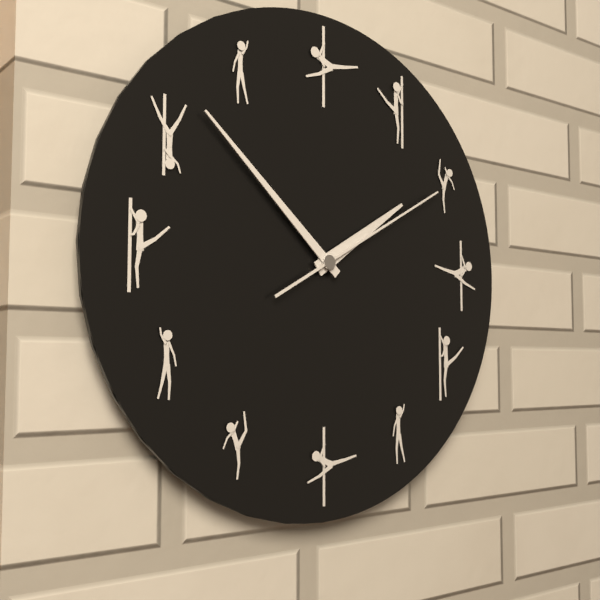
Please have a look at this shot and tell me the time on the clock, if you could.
1:52:10
